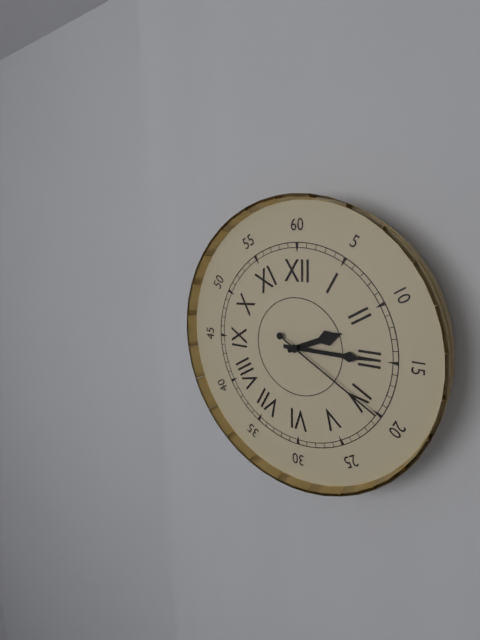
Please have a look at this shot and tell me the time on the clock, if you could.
2:15:20
